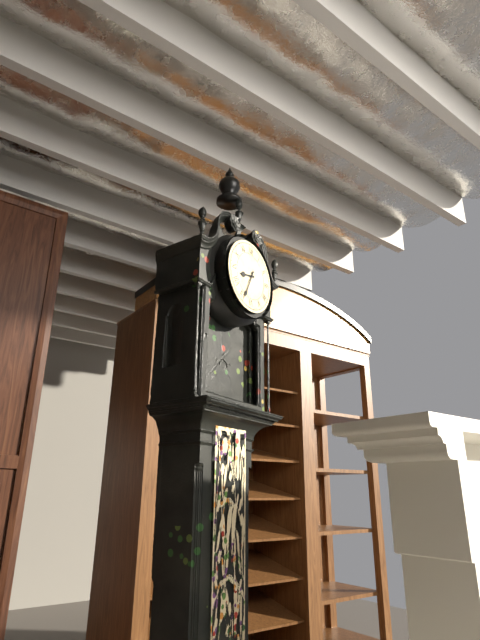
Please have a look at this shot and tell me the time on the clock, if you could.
8:34
